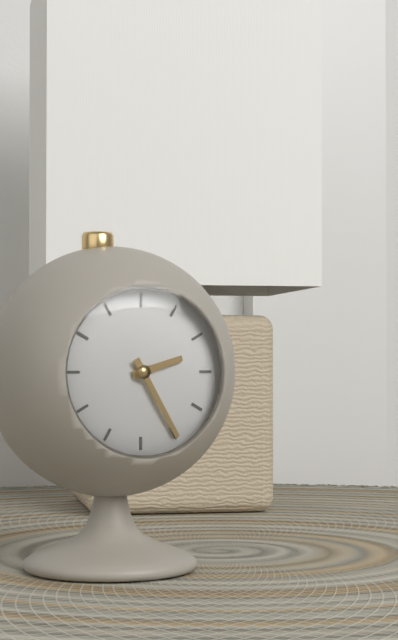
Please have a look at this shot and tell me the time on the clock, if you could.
2:25
